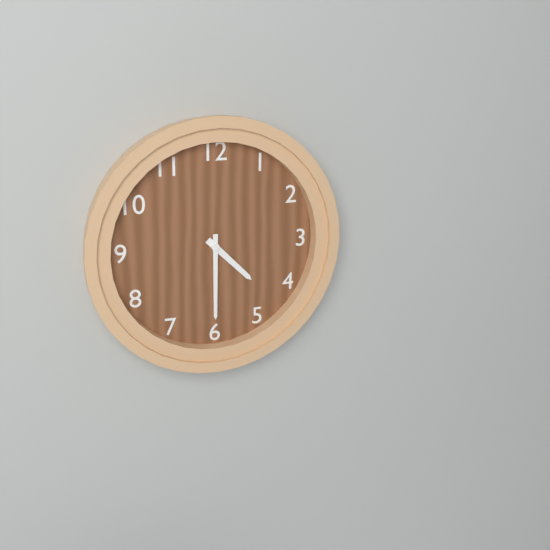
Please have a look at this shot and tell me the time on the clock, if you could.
4:30
